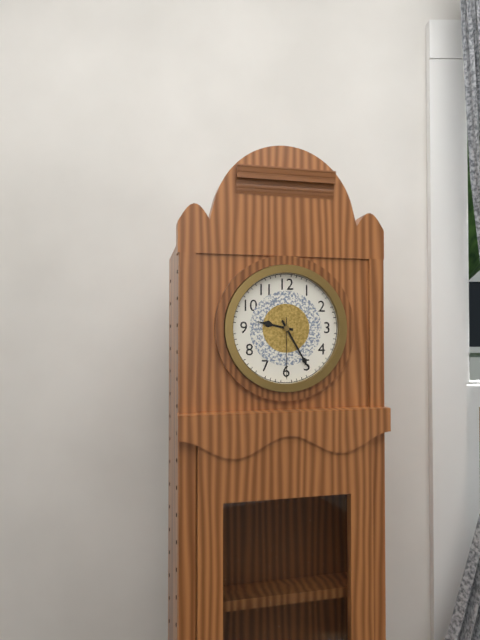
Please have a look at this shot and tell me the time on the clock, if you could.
9:25:30
